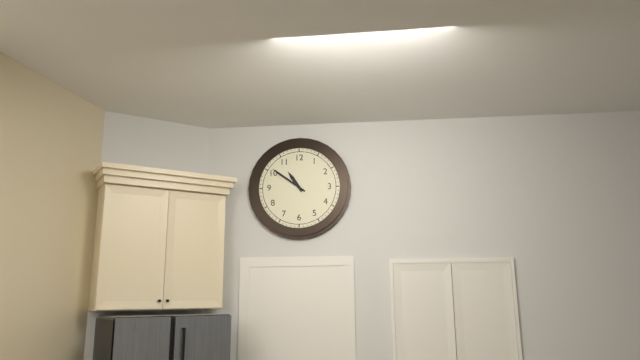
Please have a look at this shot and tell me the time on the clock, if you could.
10:51
